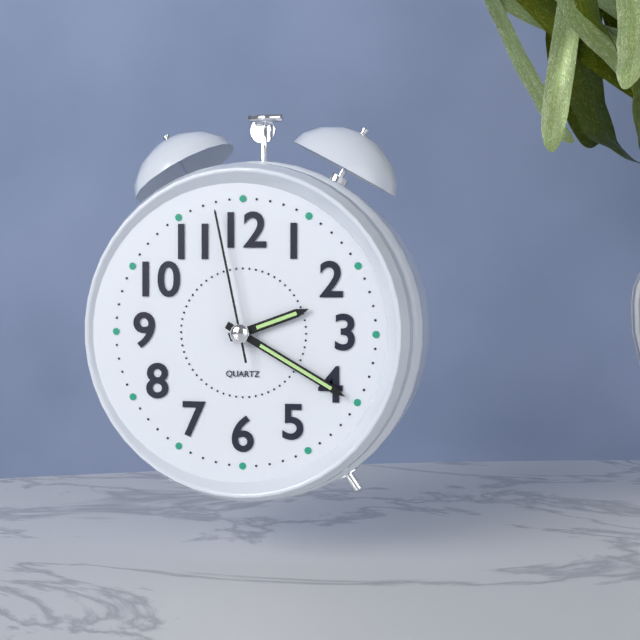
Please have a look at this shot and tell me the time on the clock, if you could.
2:20:58
